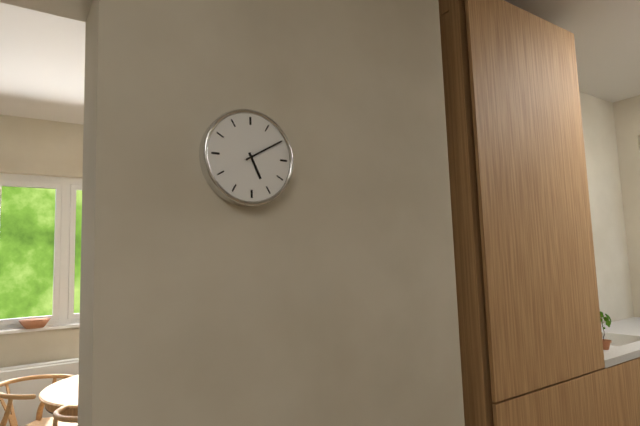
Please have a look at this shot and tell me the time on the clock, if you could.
5:10
